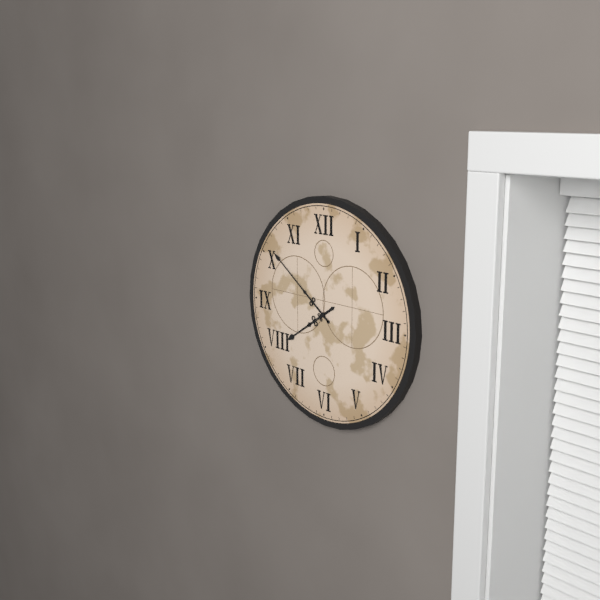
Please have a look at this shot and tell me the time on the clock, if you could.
7:51
